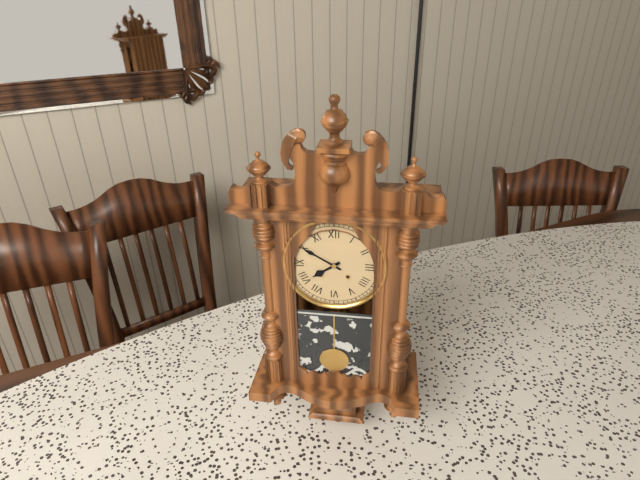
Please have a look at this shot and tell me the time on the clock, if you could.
7:50
